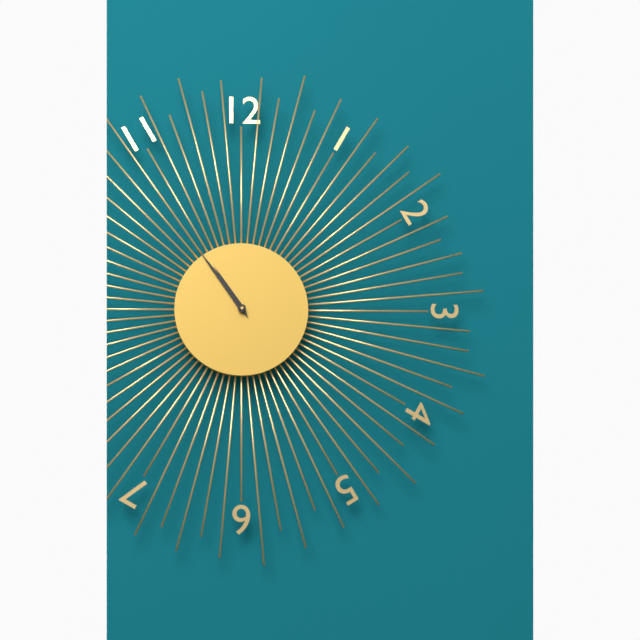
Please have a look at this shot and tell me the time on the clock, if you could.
10:54
